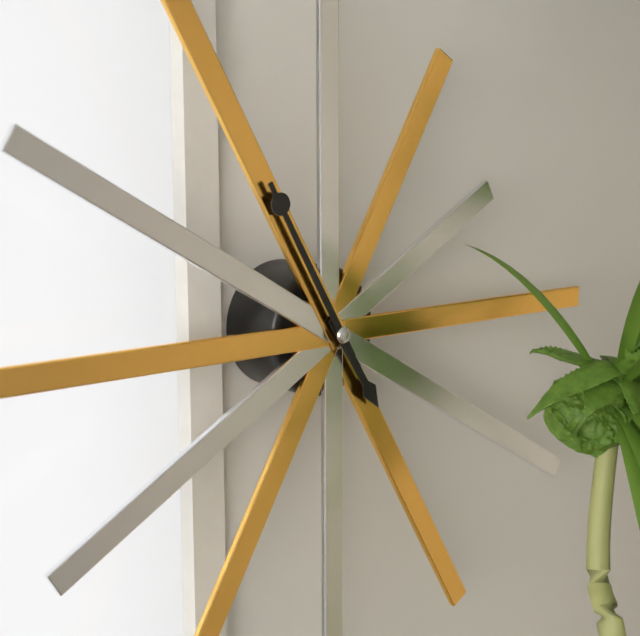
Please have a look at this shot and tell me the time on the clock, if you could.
4:55
